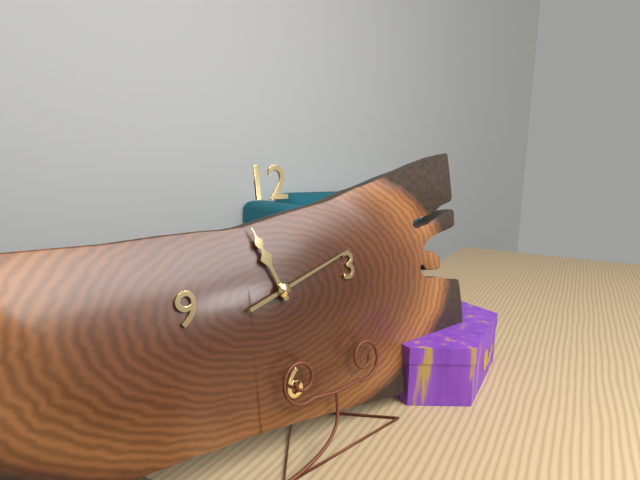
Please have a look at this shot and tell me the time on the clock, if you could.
11:12
